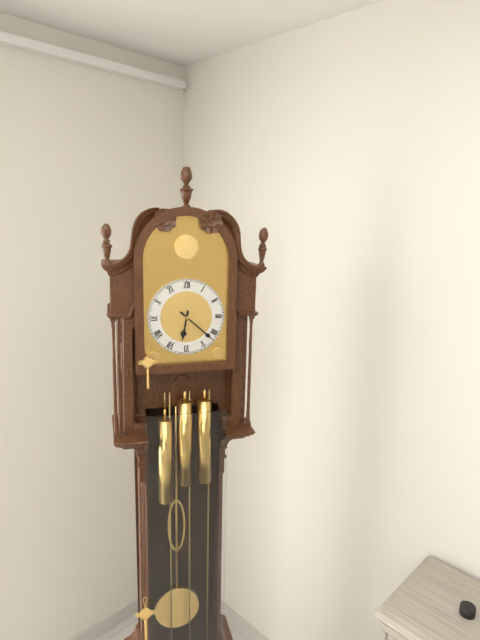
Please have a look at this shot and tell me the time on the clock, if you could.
6:22
